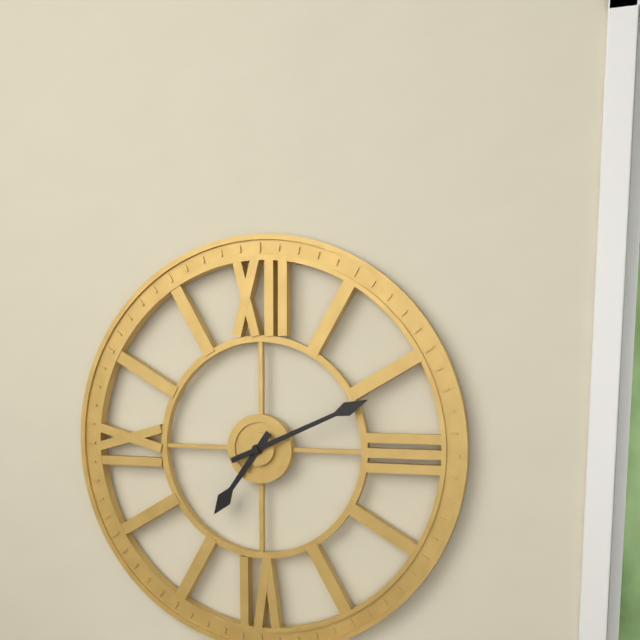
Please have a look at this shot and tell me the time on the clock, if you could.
7:11
